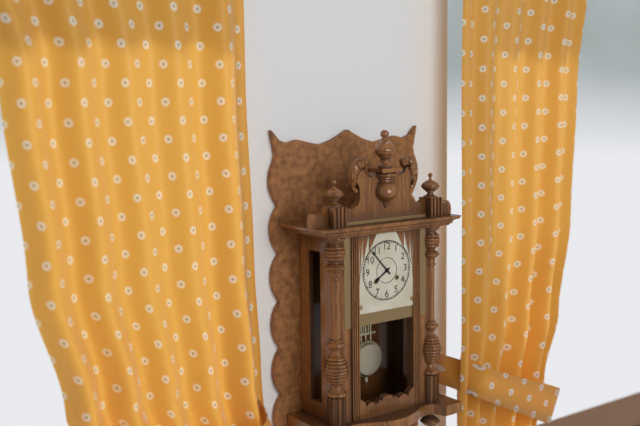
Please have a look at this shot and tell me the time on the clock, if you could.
7:53
